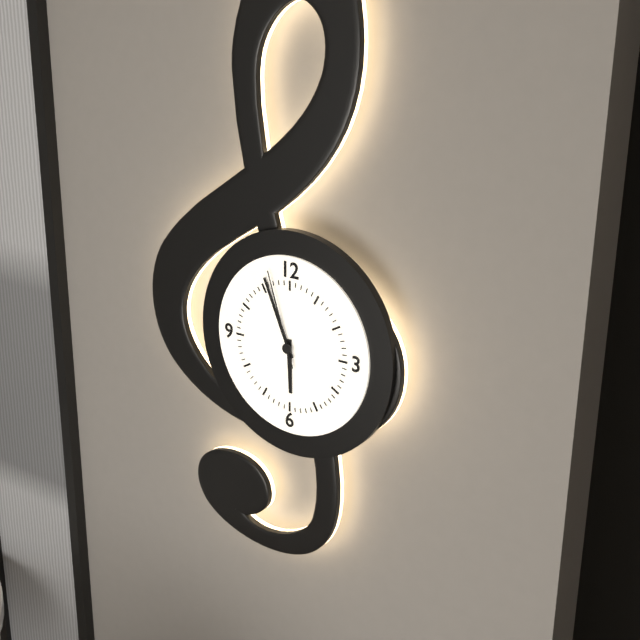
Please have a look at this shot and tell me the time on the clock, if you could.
5:56:57
